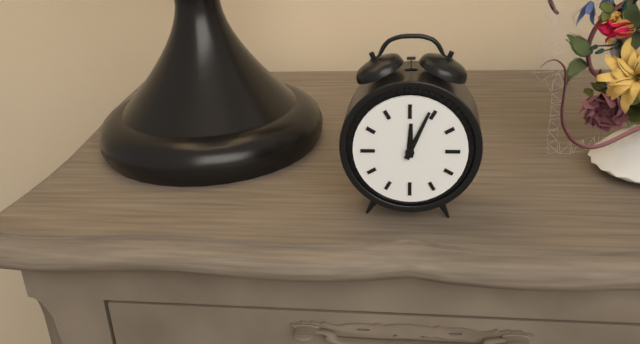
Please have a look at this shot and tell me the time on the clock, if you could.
12:04
